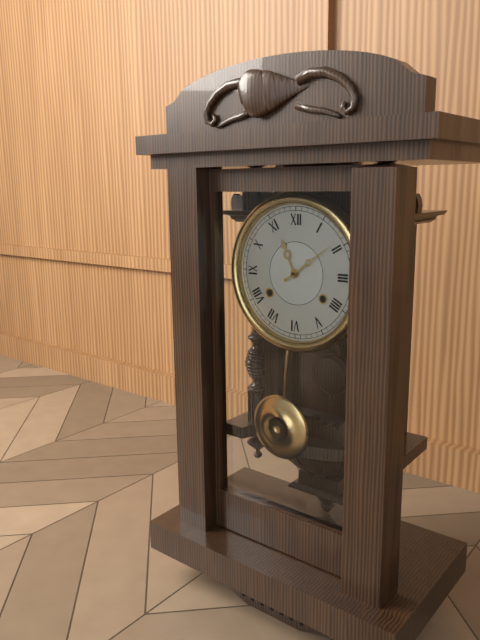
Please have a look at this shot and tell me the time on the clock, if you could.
11:09
